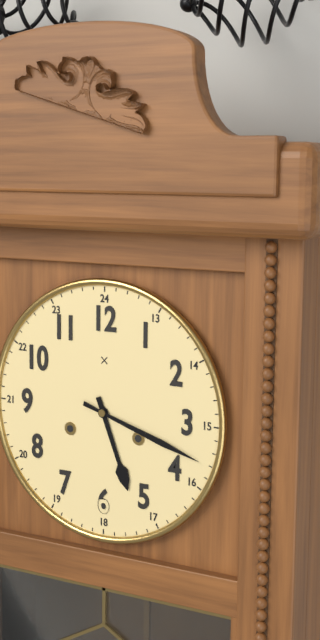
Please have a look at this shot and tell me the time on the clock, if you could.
5:18
